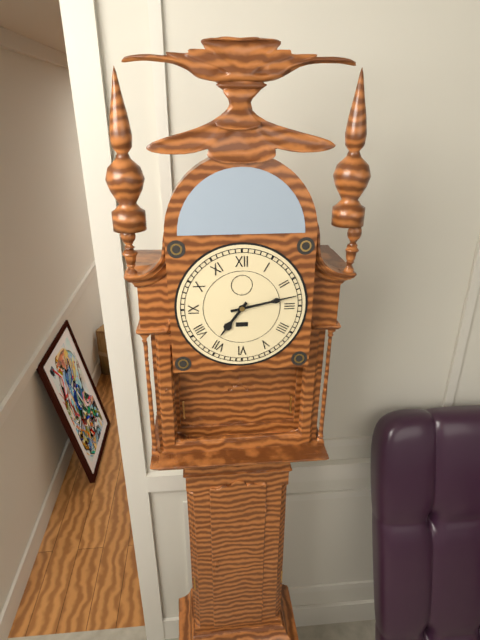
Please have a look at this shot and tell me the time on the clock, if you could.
7:13
